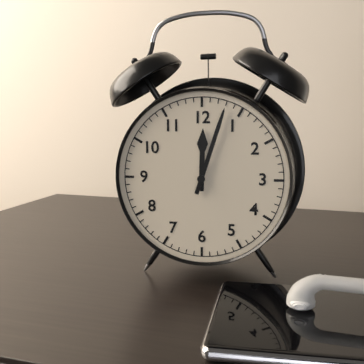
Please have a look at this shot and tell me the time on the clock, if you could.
12:03
